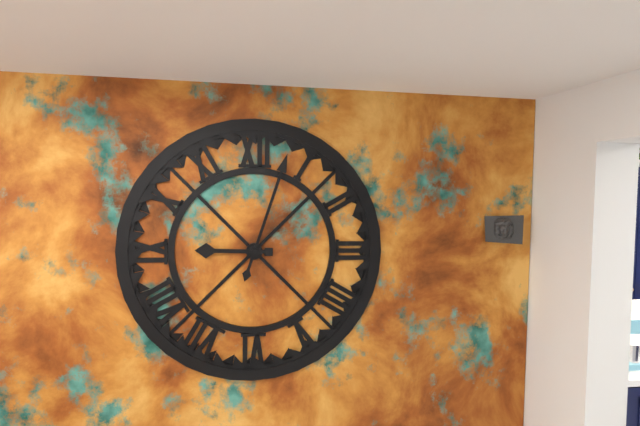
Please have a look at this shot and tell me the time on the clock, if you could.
9:03
